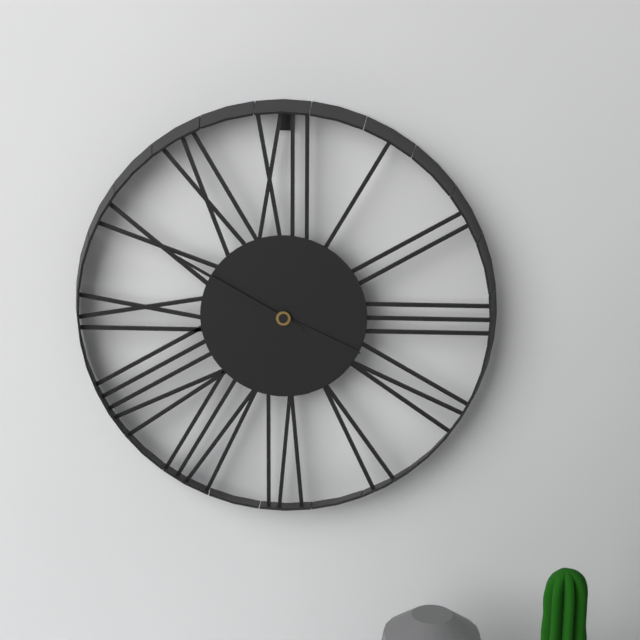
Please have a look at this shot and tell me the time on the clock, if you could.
3:50
